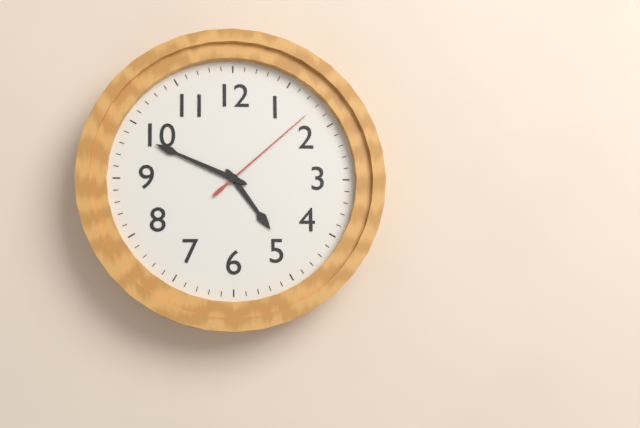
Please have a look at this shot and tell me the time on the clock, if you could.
4:49:08
